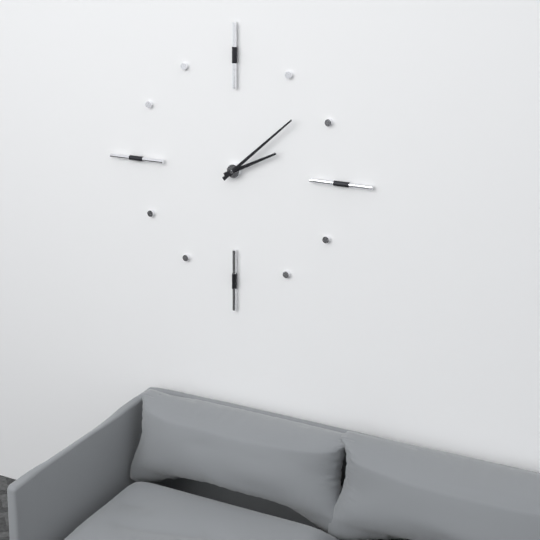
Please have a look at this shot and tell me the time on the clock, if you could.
2:08
